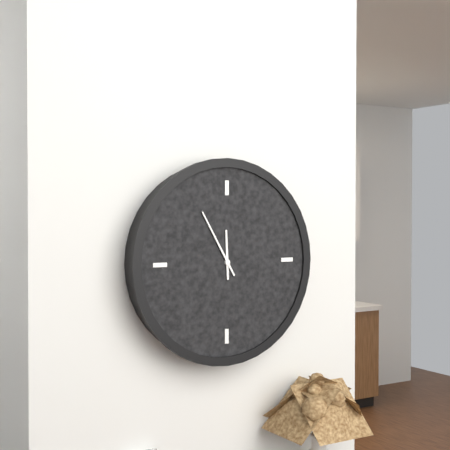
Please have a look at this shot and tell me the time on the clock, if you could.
11:55
